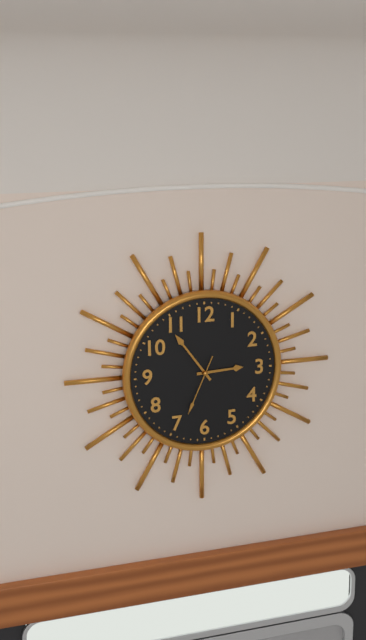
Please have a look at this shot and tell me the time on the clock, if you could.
2:54:34
